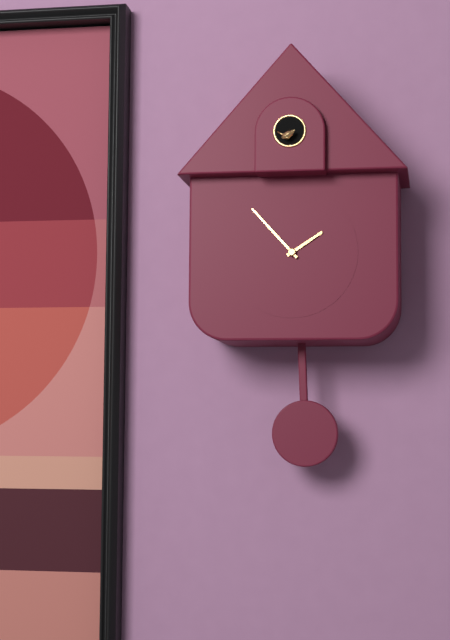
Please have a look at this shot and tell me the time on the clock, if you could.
1:53
